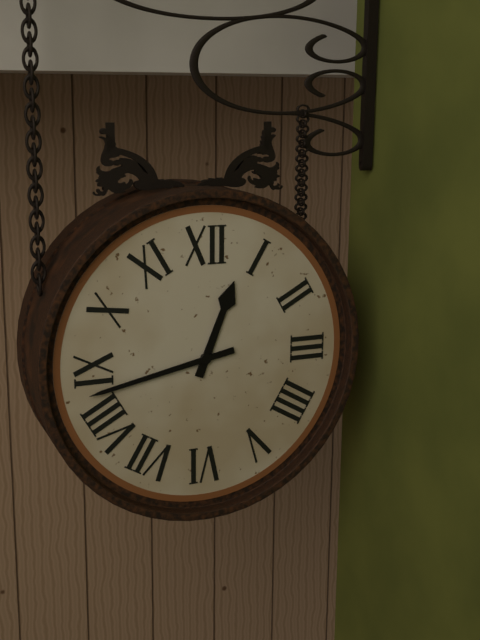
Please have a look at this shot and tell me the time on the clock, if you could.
12:43
